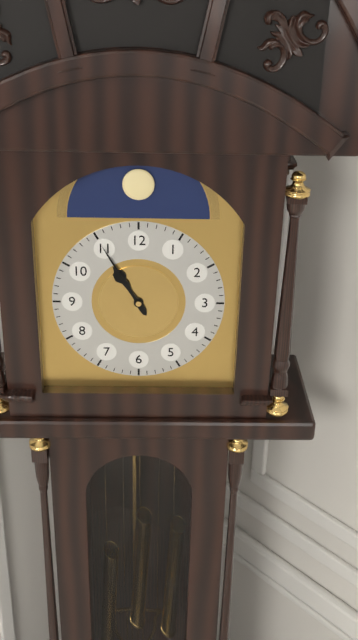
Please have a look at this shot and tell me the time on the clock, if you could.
10:55
